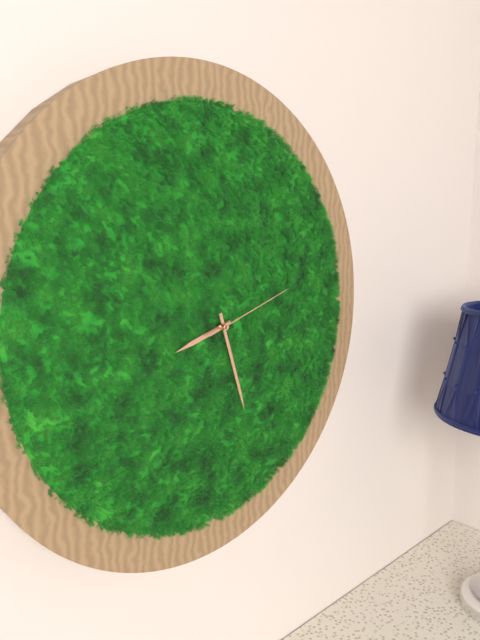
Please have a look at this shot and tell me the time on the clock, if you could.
8:27:12
